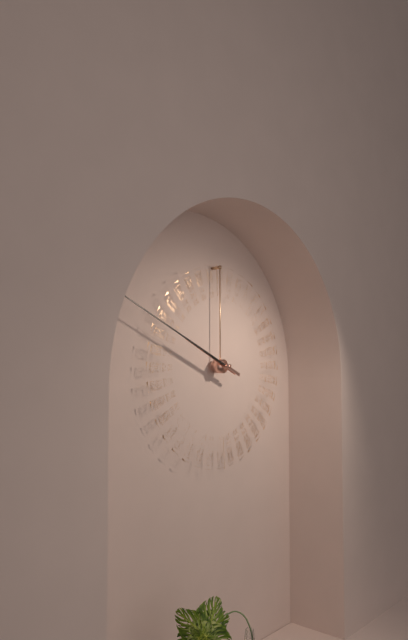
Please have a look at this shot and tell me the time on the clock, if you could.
9:49
